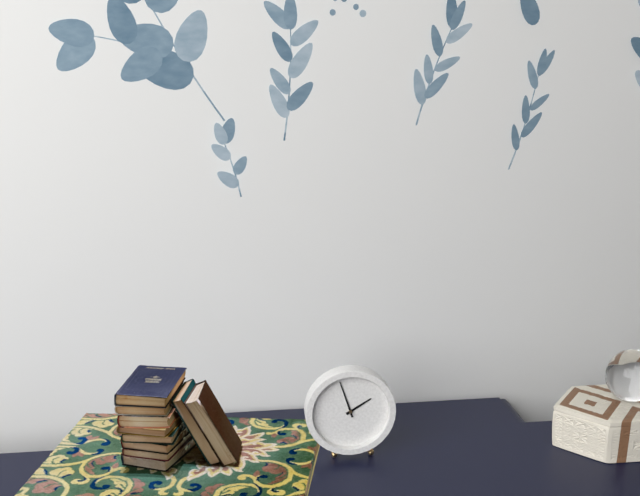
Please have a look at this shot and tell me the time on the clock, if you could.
1:57
